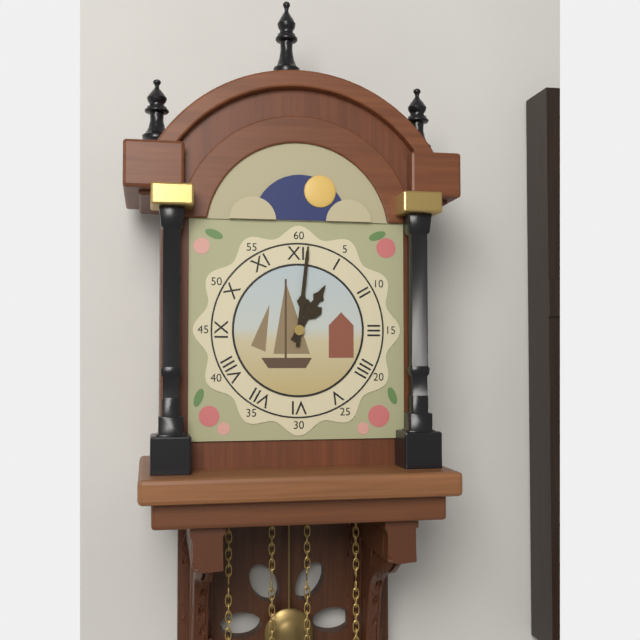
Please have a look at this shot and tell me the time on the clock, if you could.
1:01
